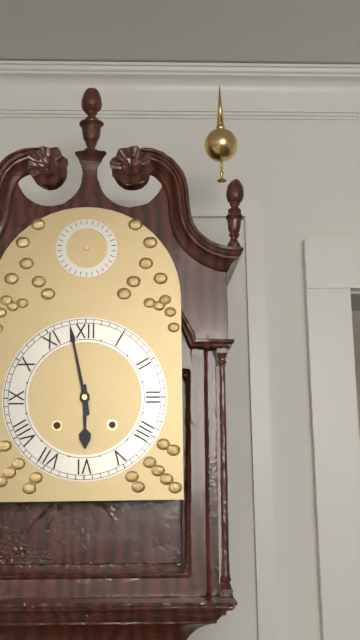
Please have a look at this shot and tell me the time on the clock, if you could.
5:58
